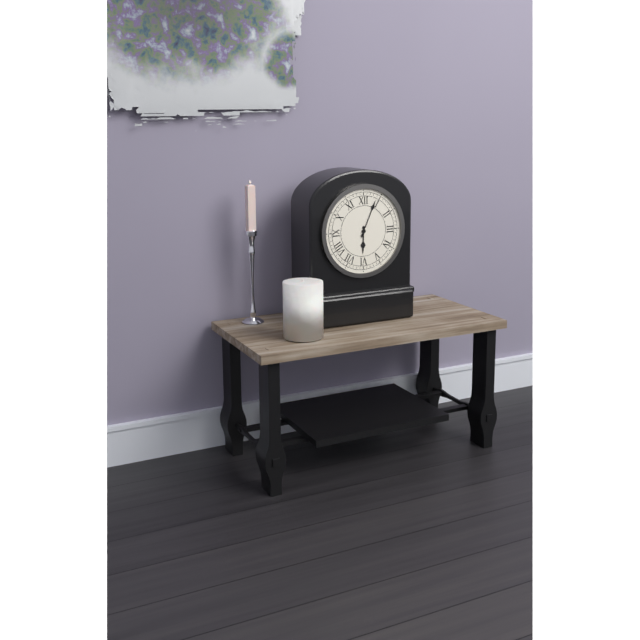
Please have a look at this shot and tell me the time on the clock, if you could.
6:04
